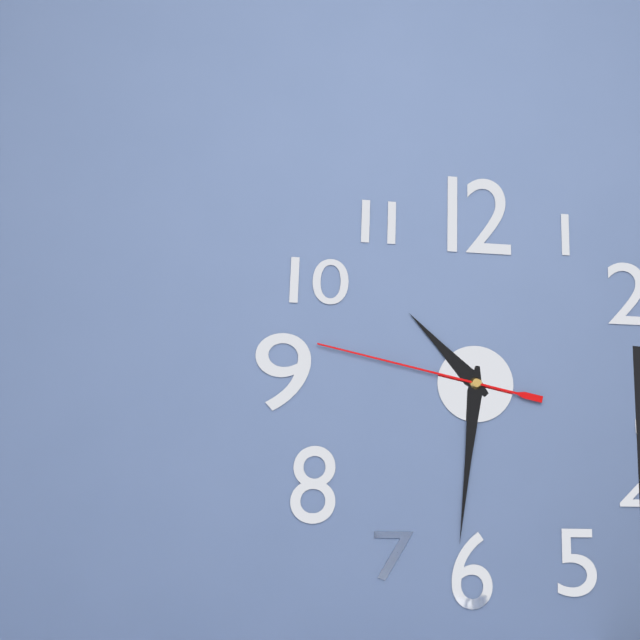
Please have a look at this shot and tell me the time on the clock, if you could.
10:31:47
